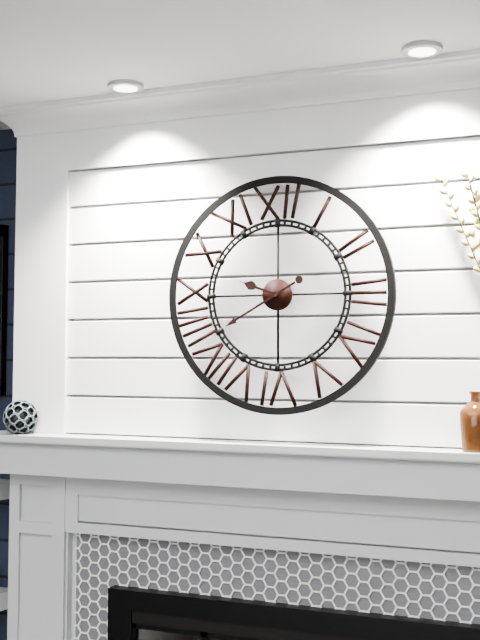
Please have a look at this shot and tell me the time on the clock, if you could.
9:40
